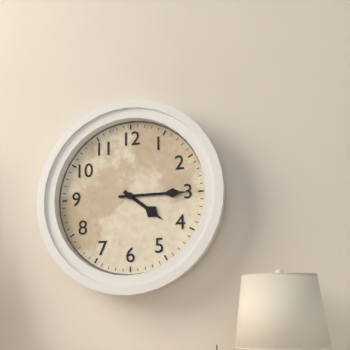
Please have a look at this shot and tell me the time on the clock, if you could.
4:15
